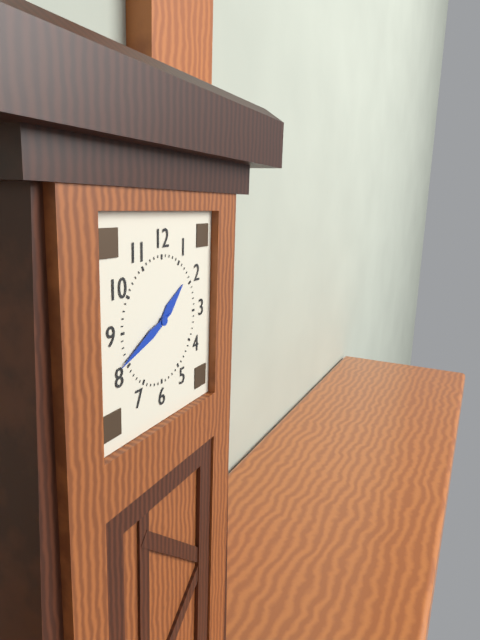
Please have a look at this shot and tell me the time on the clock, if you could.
1:41
